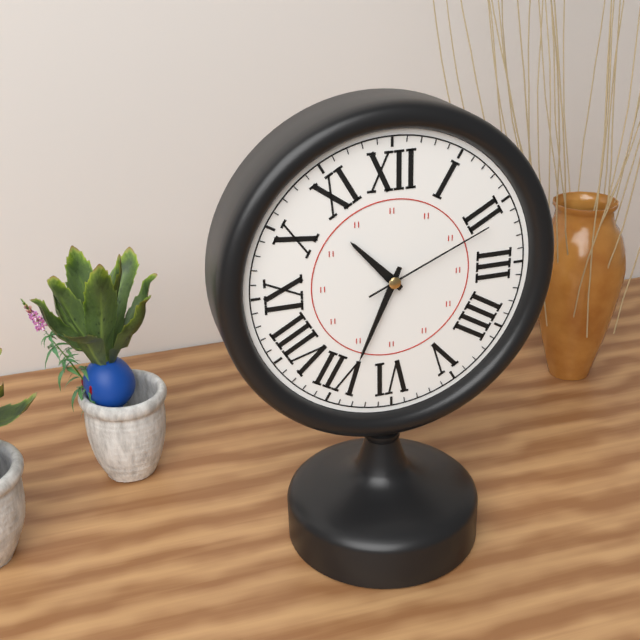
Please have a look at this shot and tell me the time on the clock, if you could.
10:34:11
